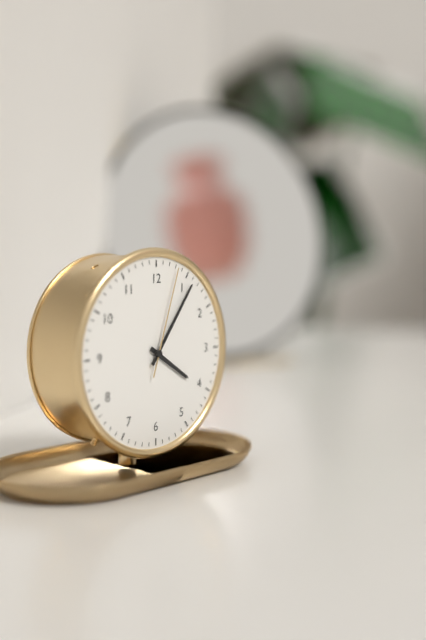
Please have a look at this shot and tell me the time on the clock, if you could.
4:06:03
